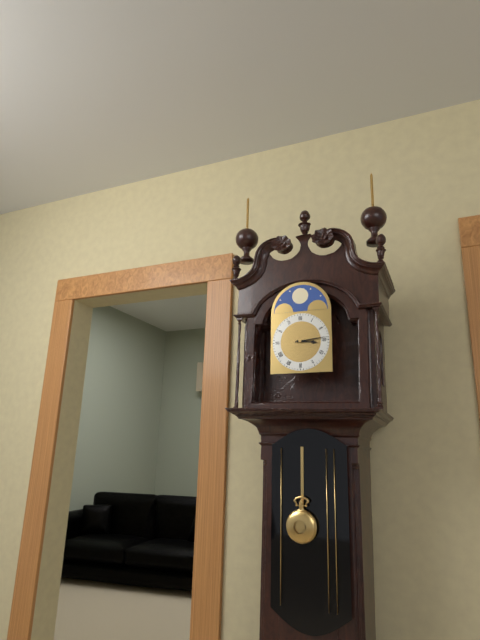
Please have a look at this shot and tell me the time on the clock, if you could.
3:14
